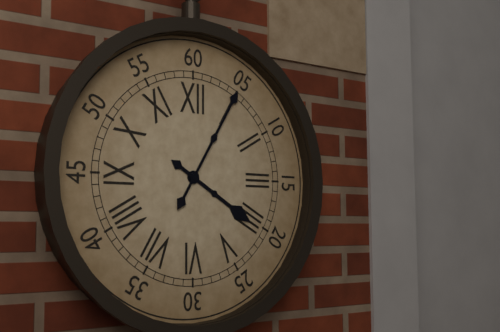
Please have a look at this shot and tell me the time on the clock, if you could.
4:05
